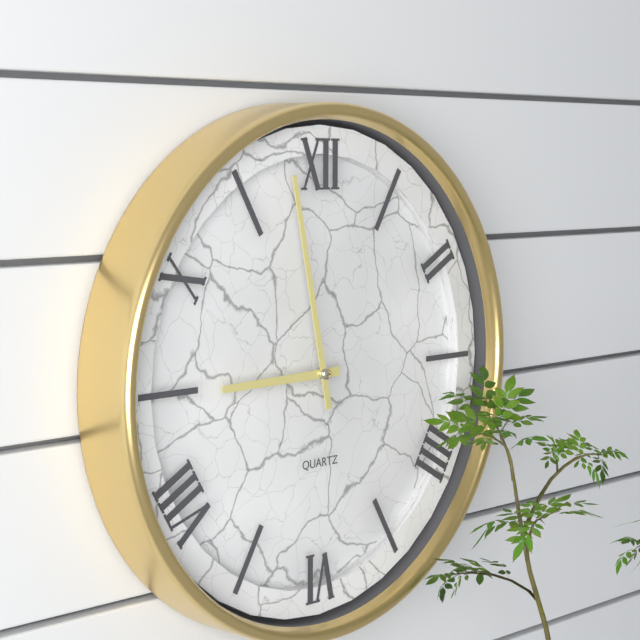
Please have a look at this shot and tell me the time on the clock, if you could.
8:58
